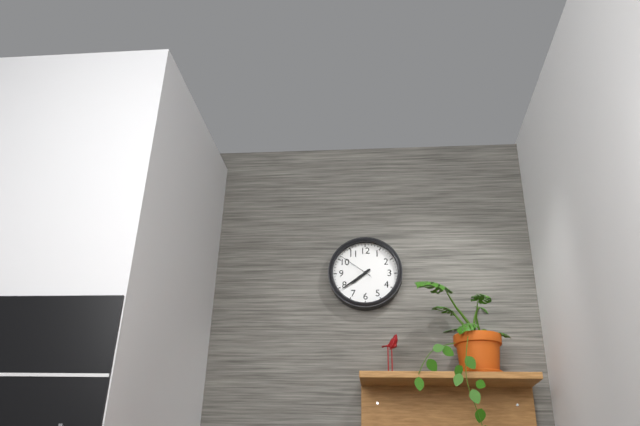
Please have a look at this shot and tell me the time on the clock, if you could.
7:39
